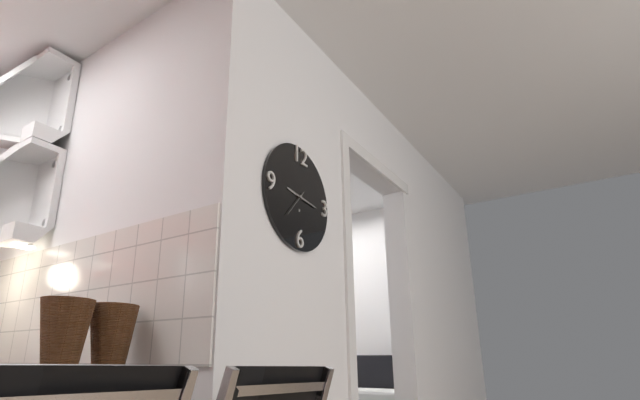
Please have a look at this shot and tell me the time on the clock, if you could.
9:16
